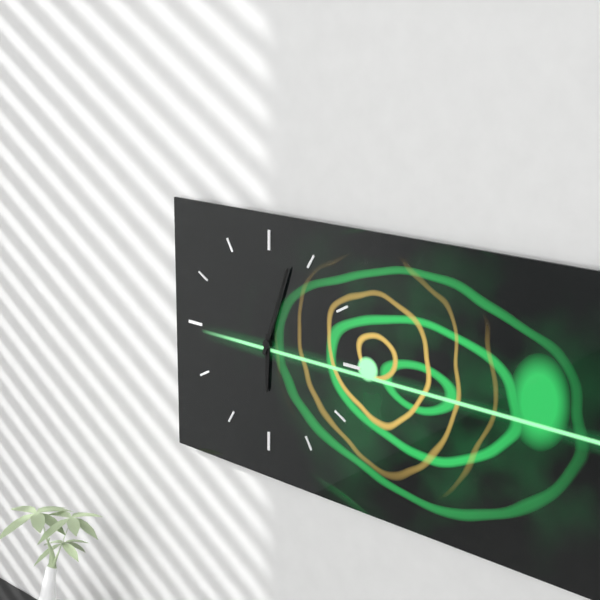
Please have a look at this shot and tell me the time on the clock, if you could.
6:03
